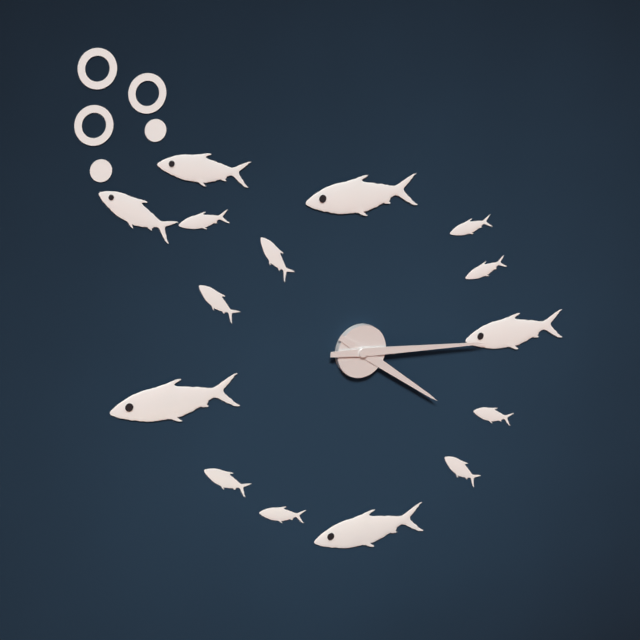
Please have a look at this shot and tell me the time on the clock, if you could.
4:16
